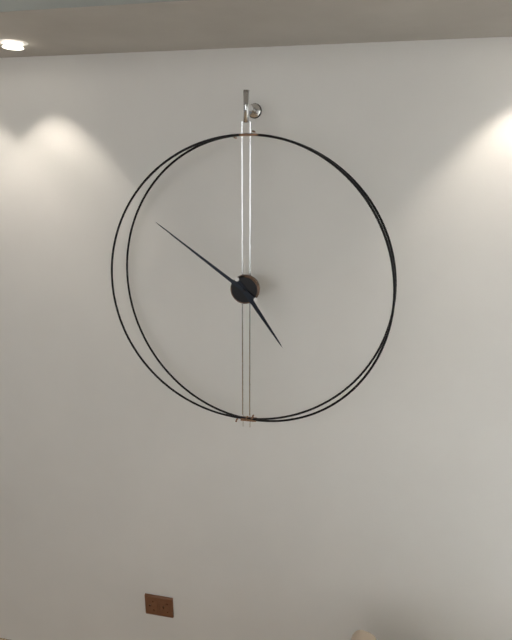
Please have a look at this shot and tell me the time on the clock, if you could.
4:51
